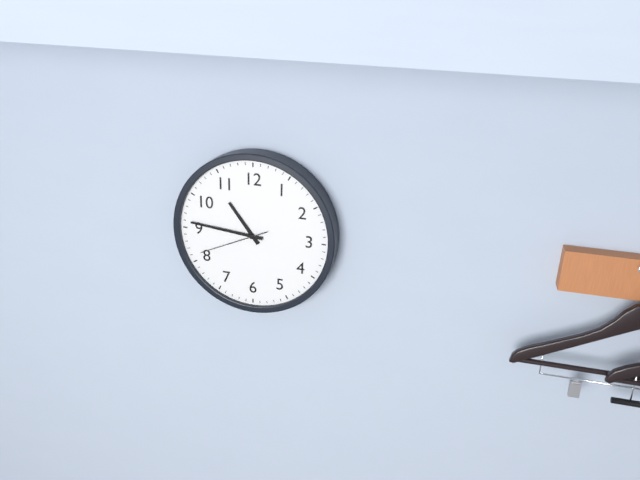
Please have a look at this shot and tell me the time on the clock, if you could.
10:46:41
